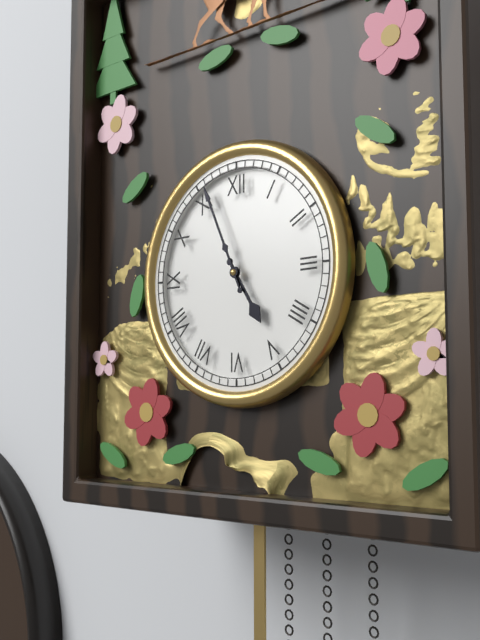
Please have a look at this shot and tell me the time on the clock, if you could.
4:56
